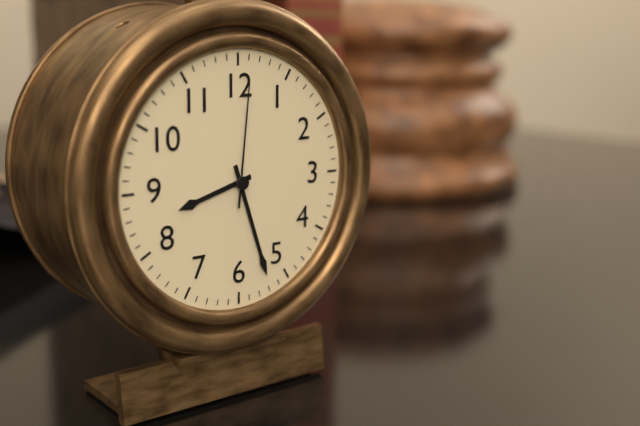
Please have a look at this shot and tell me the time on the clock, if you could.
8:27:01
